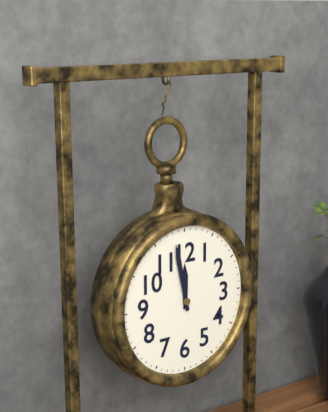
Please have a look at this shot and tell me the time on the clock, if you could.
11:58
